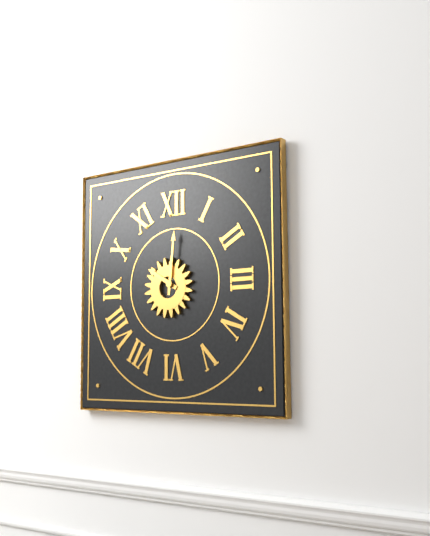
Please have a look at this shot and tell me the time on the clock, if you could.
10:01
